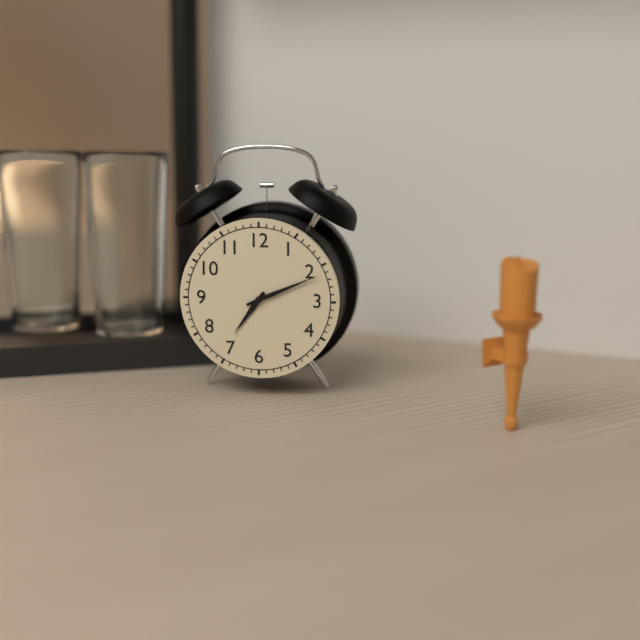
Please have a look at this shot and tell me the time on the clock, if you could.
7:11
